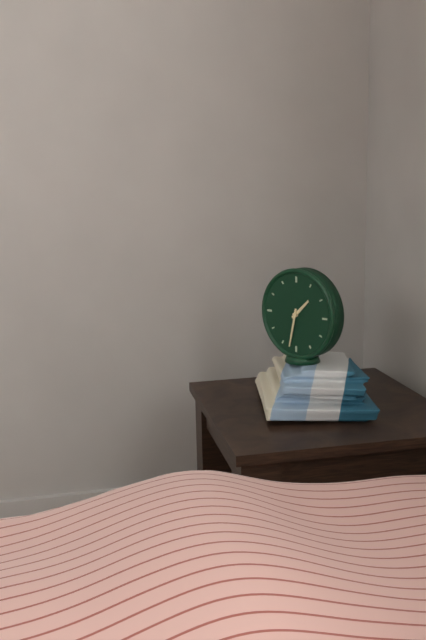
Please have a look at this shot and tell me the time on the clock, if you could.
1:32
